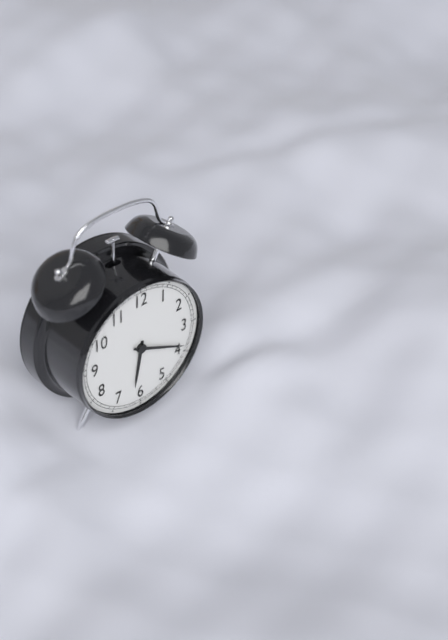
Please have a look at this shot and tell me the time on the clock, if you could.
6:19
